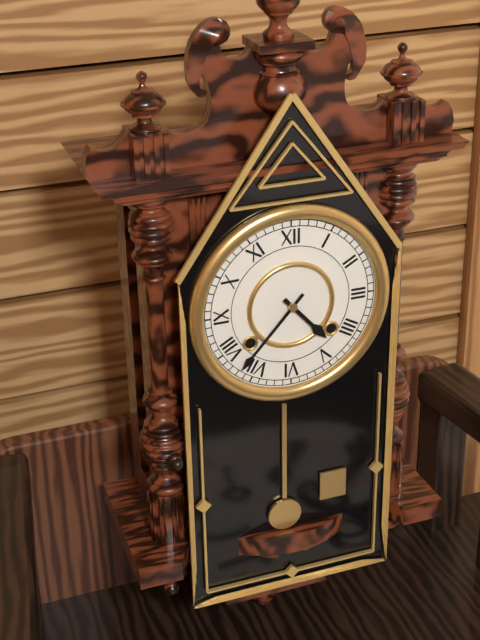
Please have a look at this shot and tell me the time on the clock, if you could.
4:37
